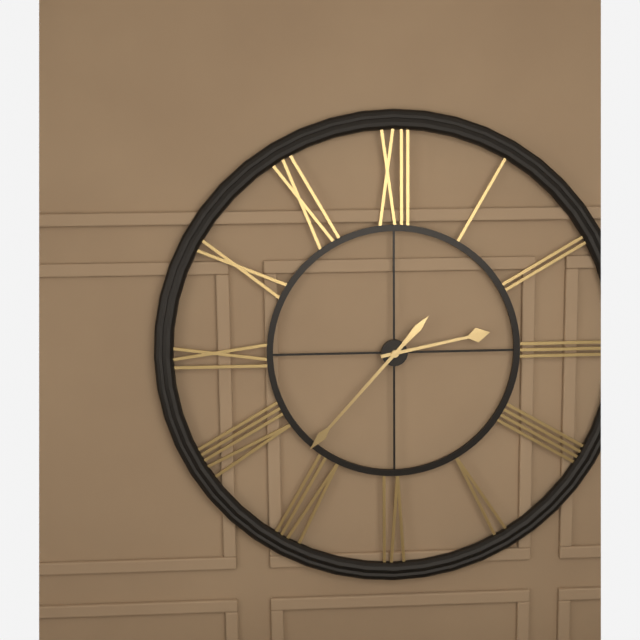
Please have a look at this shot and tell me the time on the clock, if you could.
2:37
